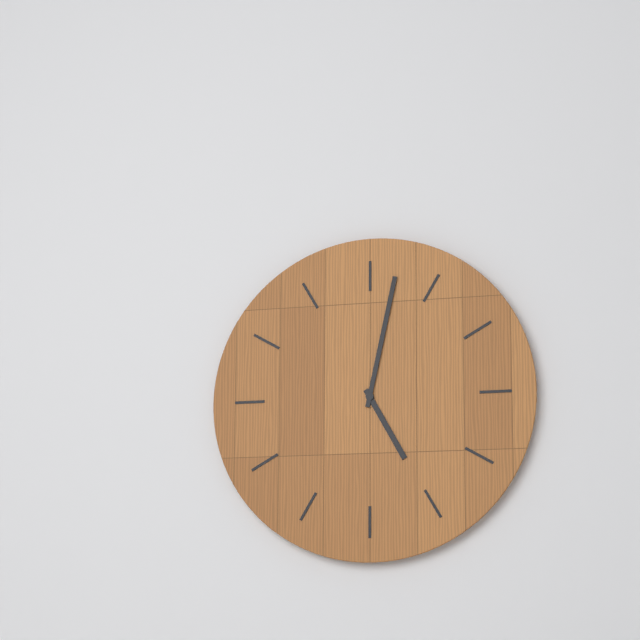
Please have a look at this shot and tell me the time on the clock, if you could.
5:02
